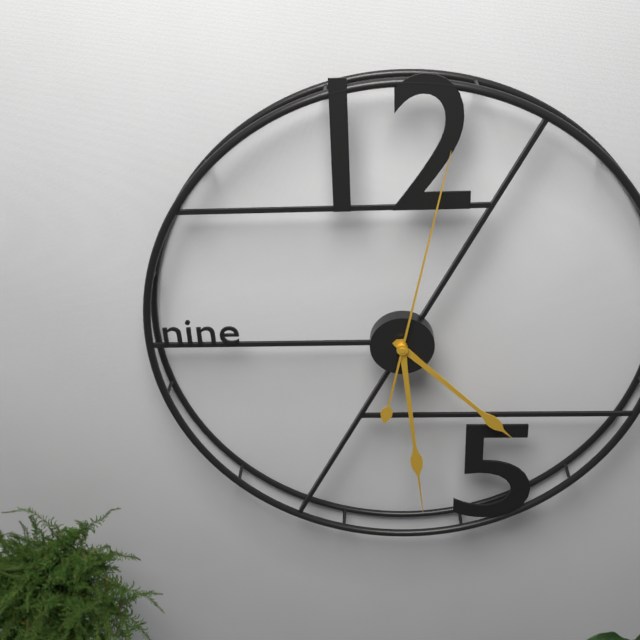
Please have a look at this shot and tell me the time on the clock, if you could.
4:29:02
